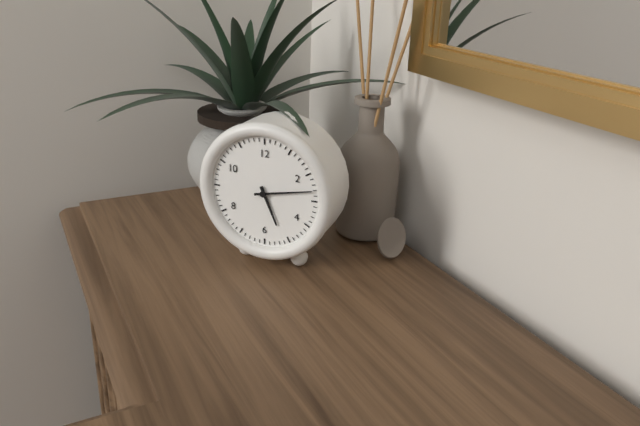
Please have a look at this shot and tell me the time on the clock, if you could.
5:13
